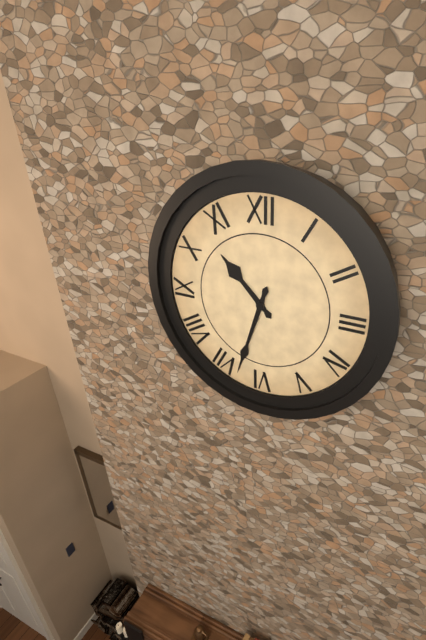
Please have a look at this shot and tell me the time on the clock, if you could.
10:33
